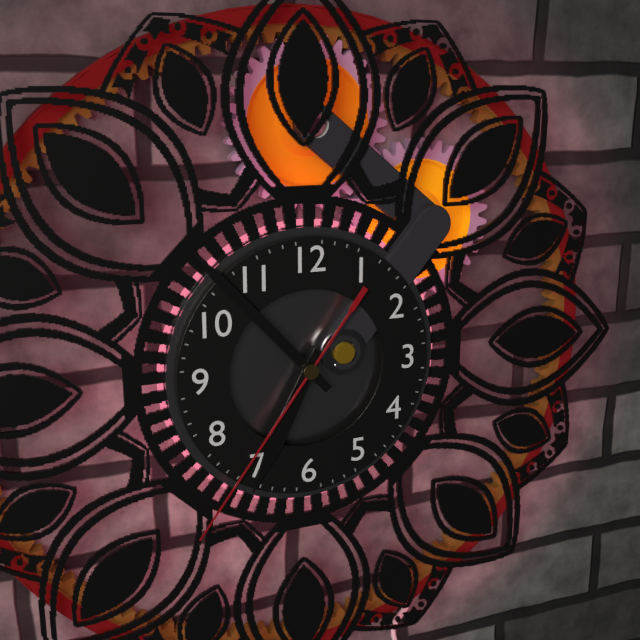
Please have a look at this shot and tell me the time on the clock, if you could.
6:53:36
